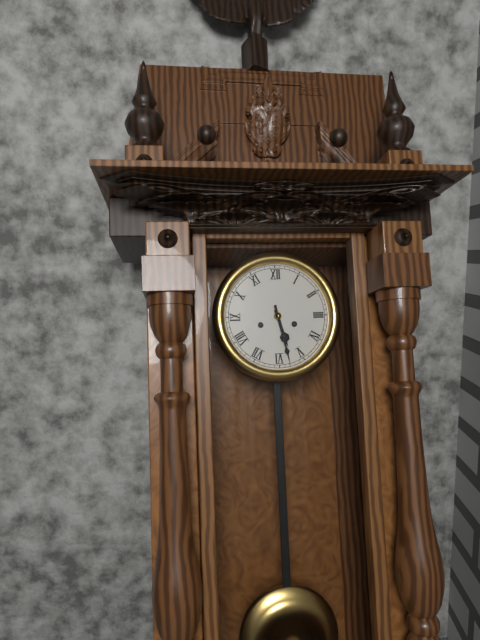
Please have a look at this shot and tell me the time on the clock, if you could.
5:28
